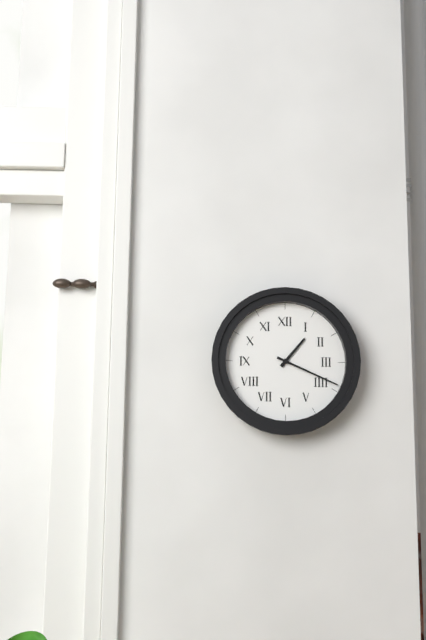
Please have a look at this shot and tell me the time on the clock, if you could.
1:19
